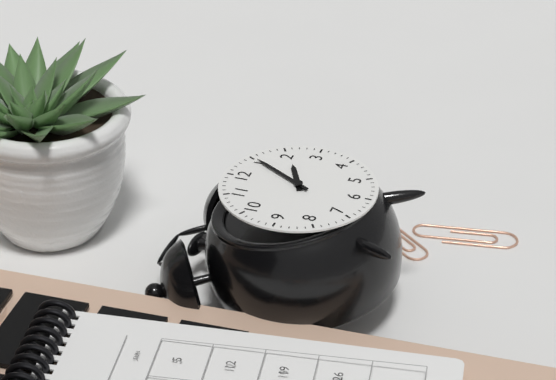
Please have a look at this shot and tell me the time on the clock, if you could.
2:05
